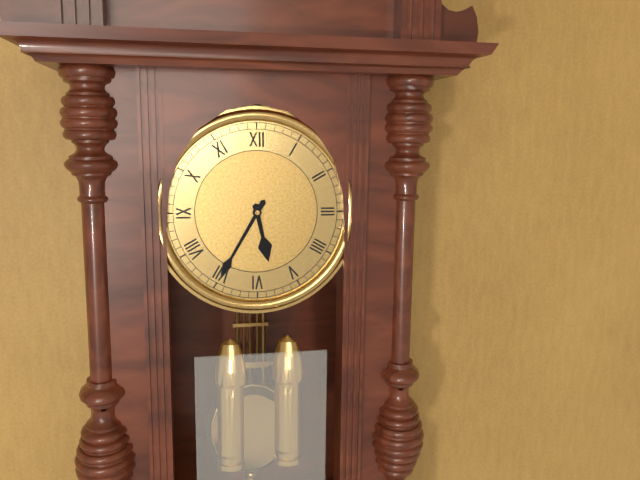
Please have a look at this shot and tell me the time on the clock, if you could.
5:35
